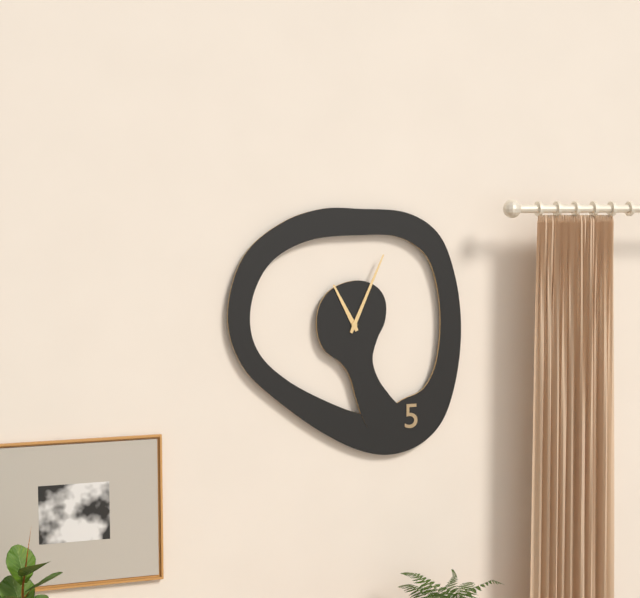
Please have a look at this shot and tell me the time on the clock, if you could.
11:04
